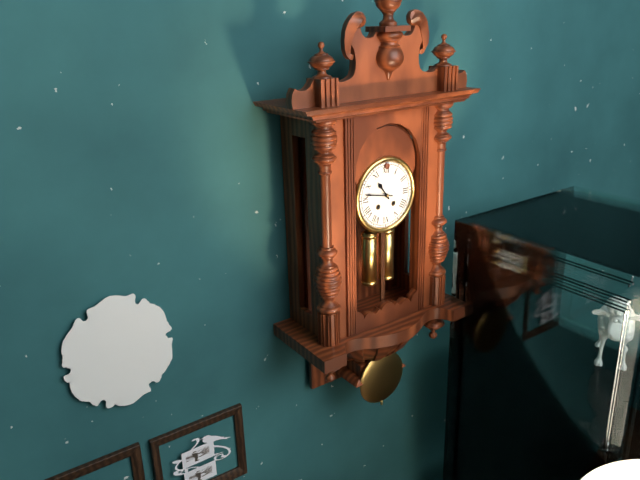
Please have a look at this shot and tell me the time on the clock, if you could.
10:47
